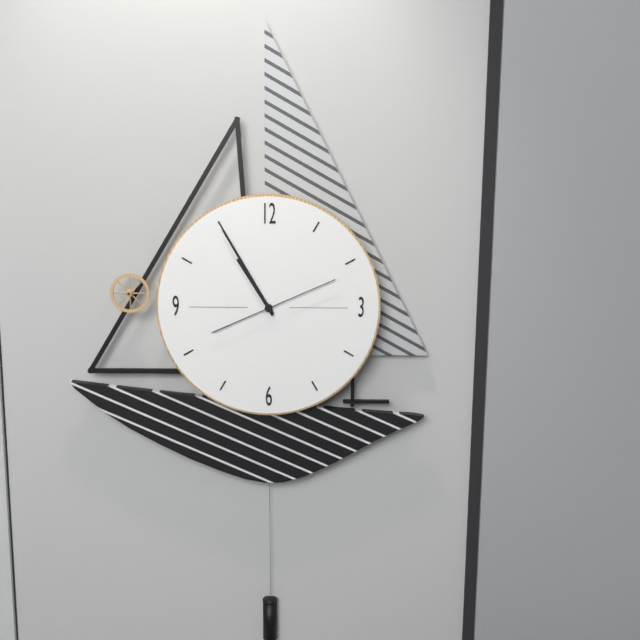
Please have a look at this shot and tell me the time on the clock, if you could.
10:55:11
